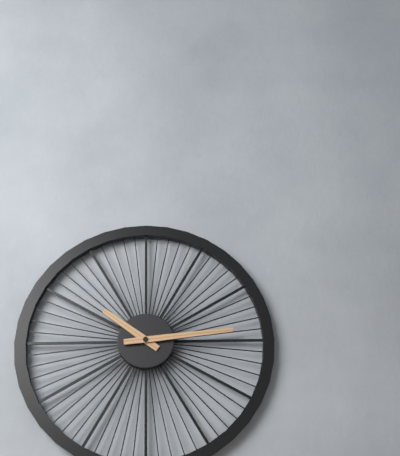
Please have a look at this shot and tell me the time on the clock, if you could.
10:14
